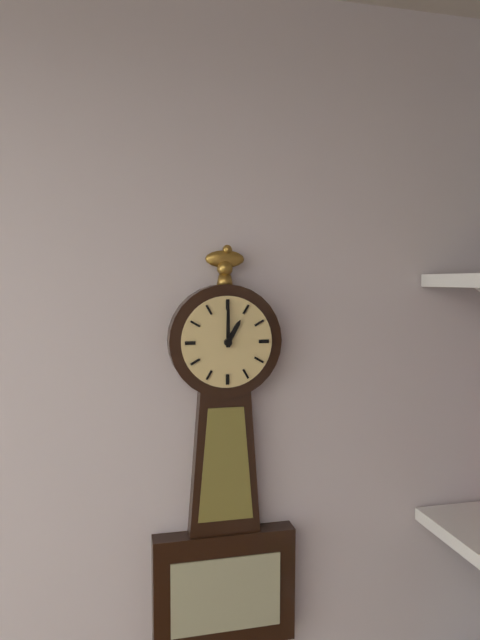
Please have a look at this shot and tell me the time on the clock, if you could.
1:00
